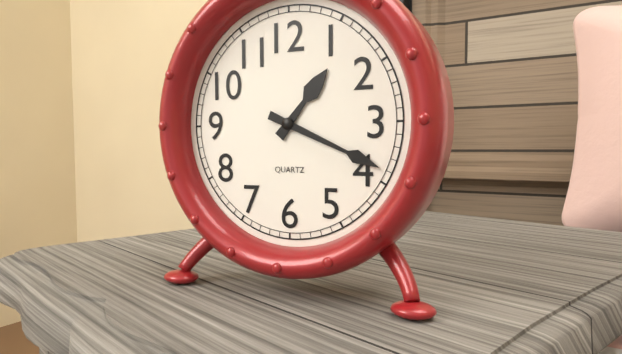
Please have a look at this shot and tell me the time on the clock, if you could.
1:19
